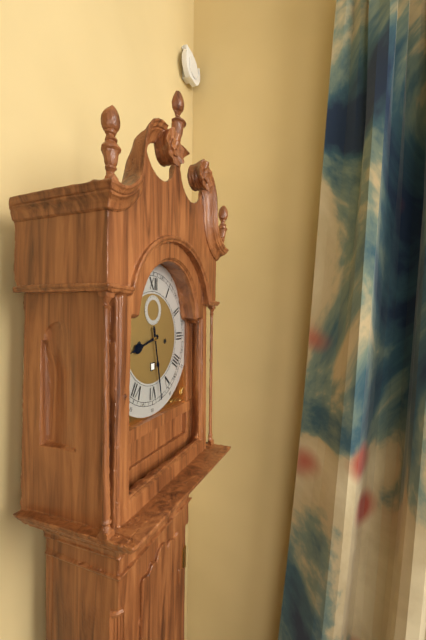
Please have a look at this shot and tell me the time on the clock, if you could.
8:28
